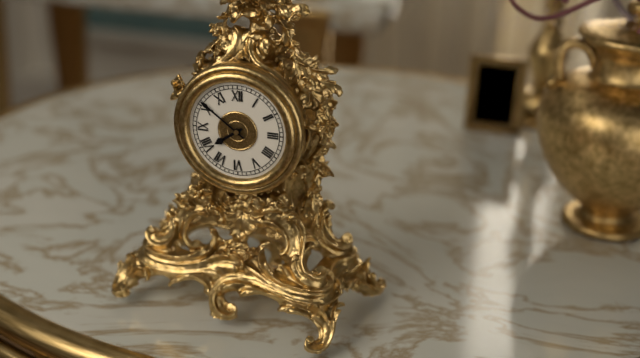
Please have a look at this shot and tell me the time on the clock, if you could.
7:51
